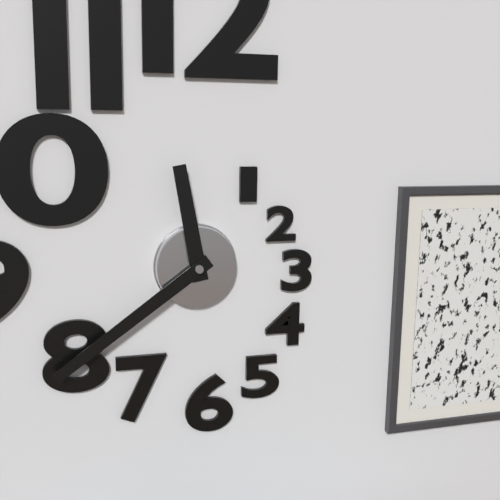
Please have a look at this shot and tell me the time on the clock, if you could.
11:39
